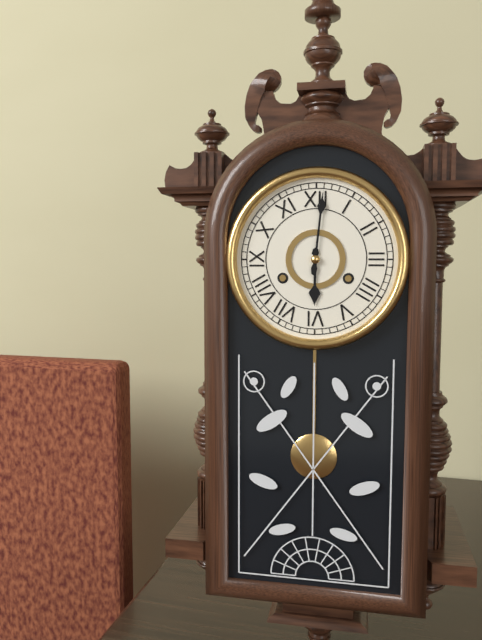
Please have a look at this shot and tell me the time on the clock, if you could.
6:01
